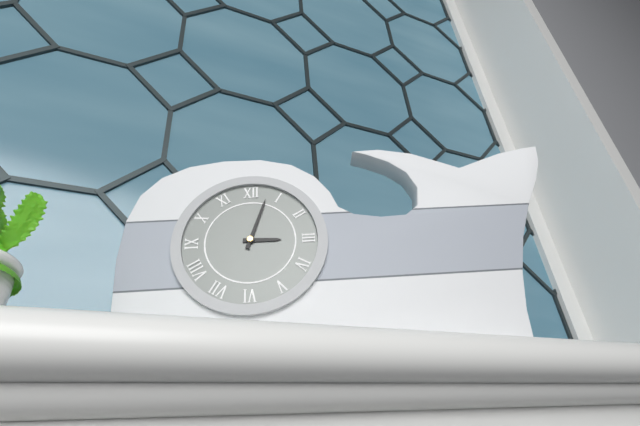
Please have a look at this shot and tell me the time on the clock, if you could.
3:03
